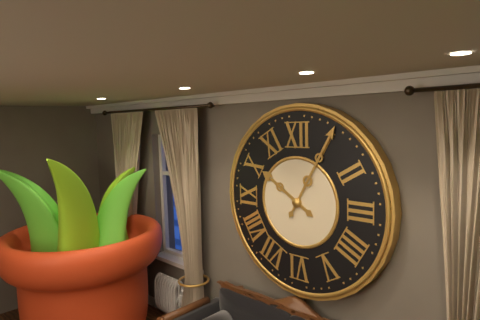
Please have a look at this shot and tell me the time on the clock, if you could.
10:05
